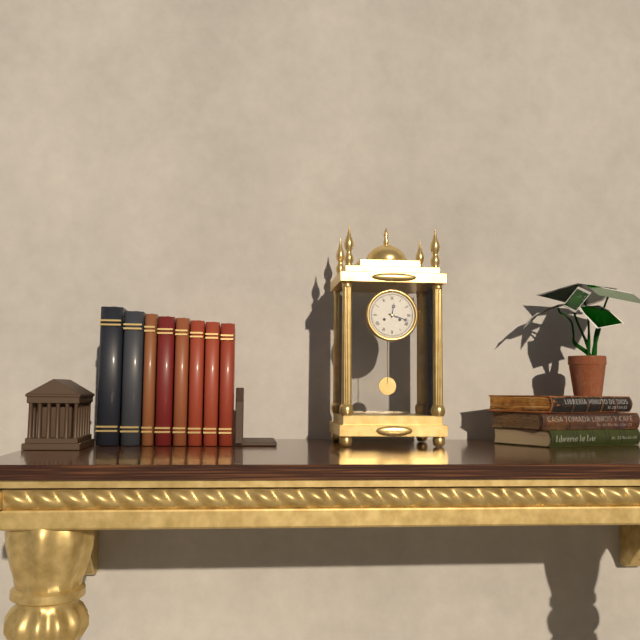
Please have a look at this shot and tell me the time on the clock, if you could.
12:18
